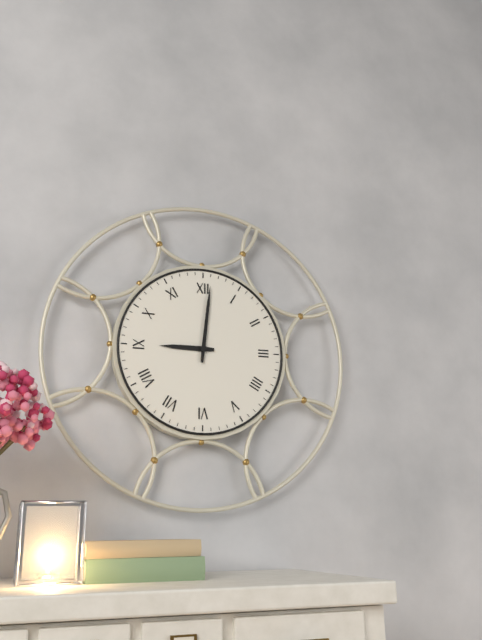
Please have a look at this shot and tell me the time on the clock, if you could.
9:01
